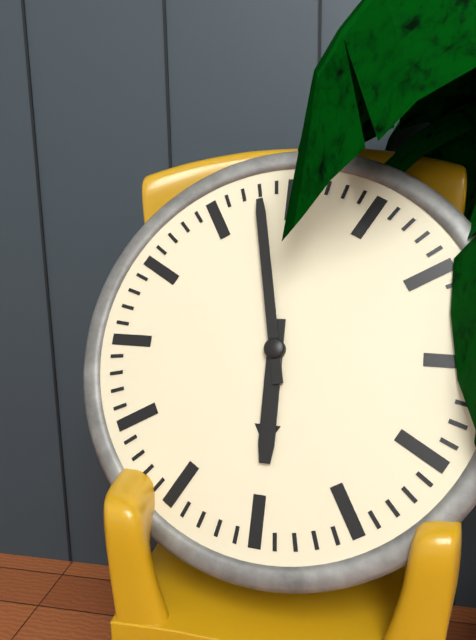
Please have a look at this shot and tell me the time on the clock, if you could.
5:58
